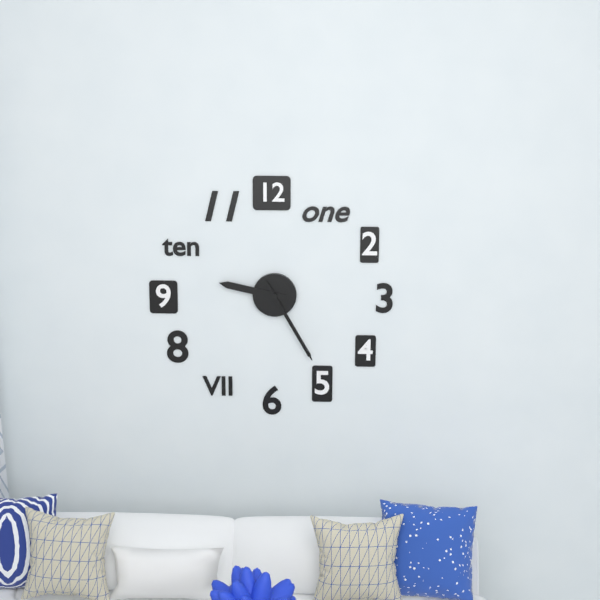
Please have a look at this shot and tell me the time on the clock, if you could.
9:25:25
